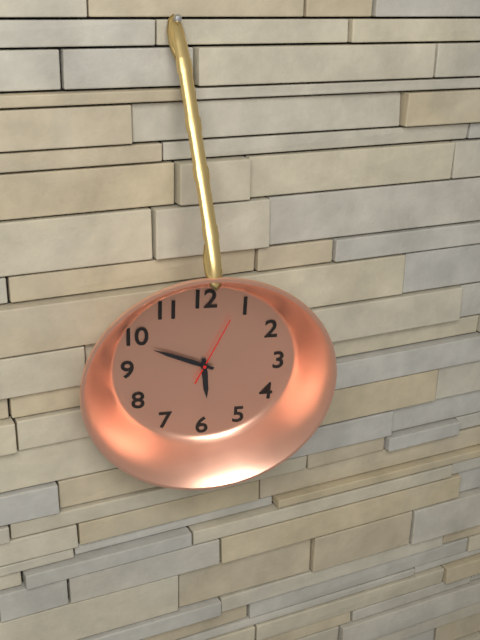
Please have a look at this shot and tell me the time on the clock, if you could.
5:49:04
